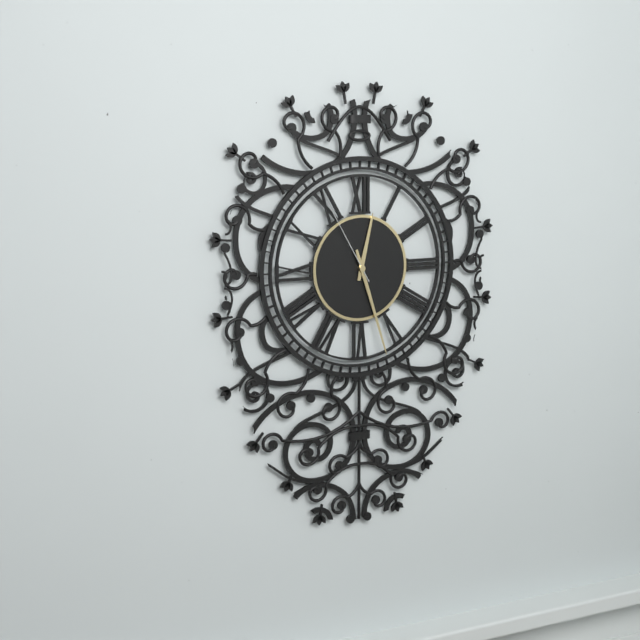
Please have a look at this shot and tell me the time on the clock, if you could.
12:27:55
